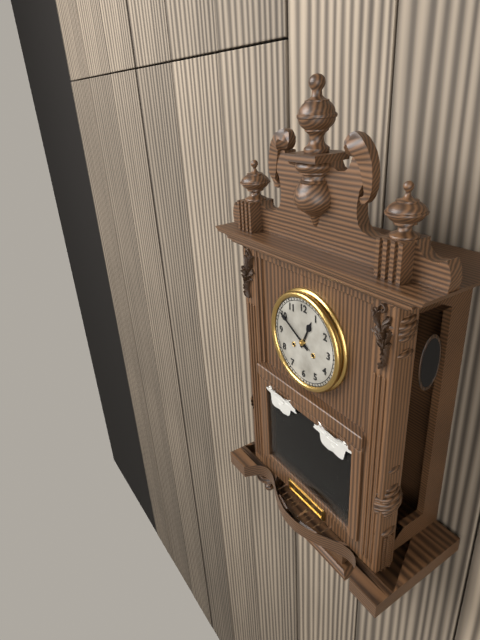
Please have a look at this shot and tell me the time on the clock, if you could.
12:50
